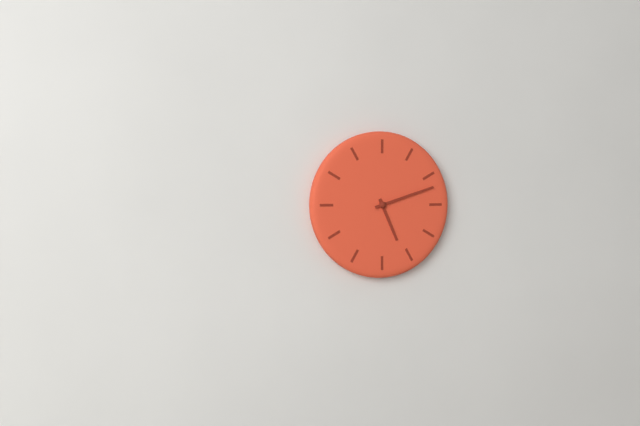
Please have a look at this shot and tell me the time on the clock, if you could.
5:12
